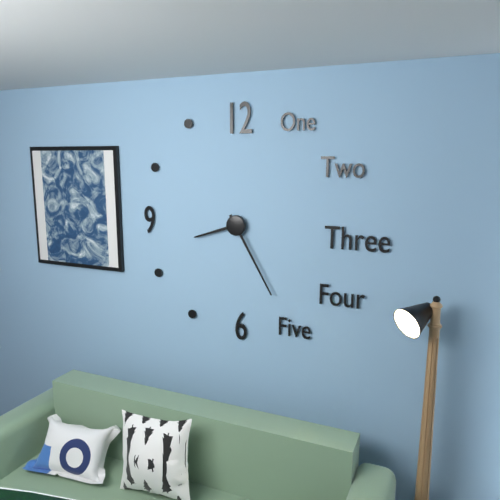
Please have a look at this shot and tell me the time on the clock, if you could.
8:25
